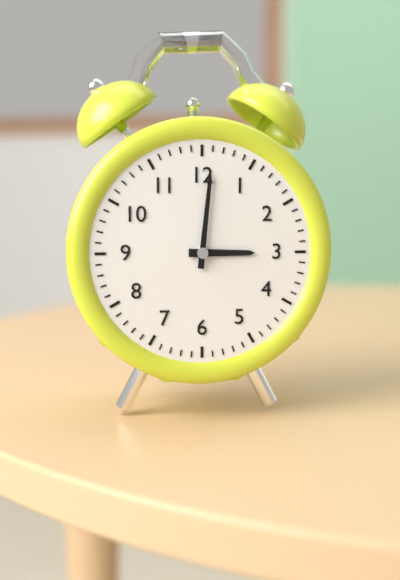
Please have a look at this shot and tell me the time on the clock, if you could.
3:01
